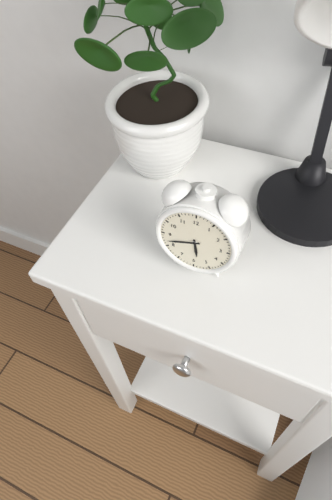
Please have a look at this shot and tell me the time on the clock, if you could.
5:42
